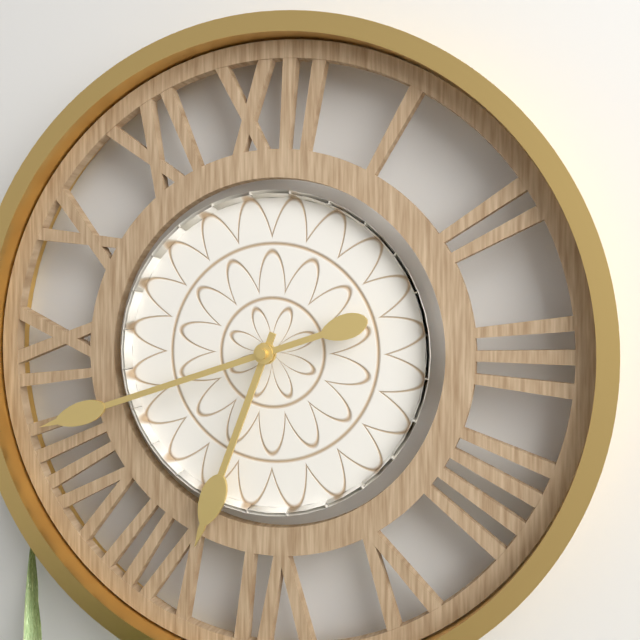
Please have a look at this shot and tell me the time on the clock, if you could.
6:42
